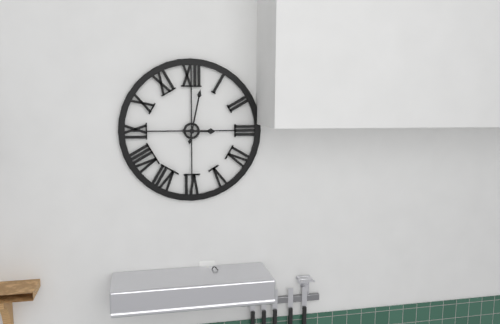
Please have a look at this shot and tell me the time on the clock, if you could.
3:02
